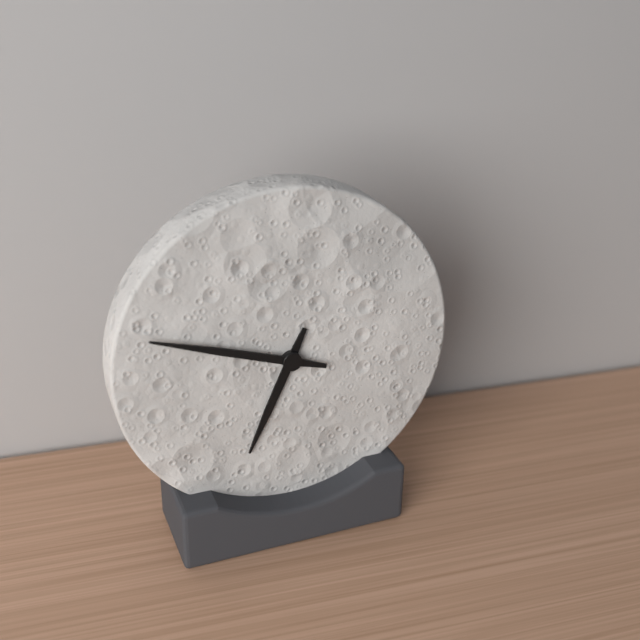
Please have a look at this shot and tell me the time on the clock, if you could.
6:48
